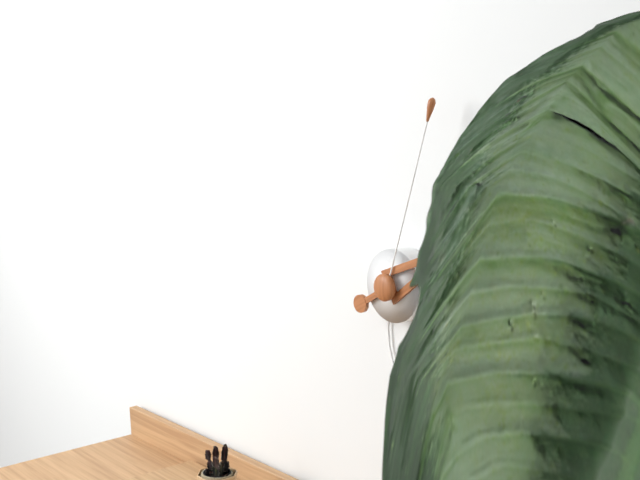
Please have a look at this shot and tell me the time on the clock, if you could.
2:03
